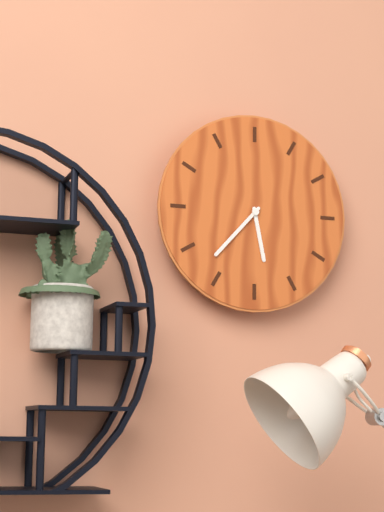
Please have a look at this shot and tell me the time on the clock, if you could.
5:37
